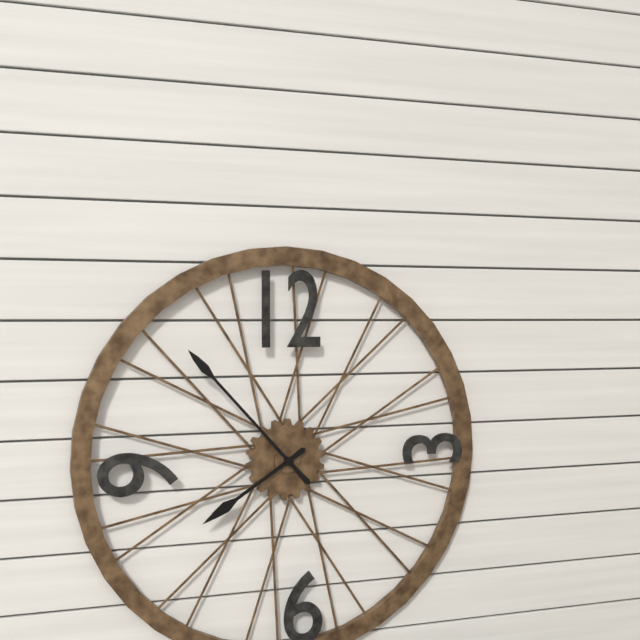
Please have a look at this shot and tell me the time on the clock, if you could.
7:53
